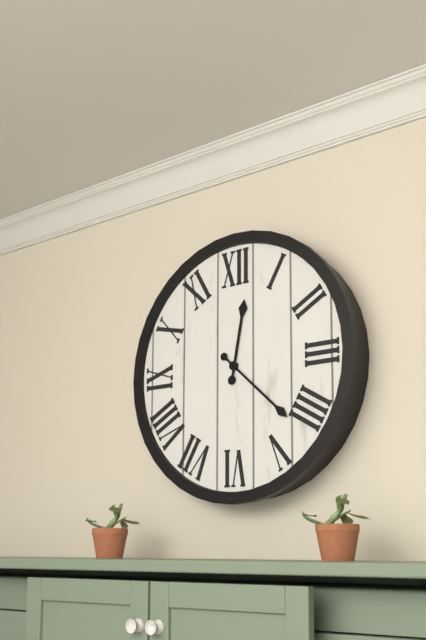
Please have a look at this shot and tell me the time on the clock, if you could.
12:22
